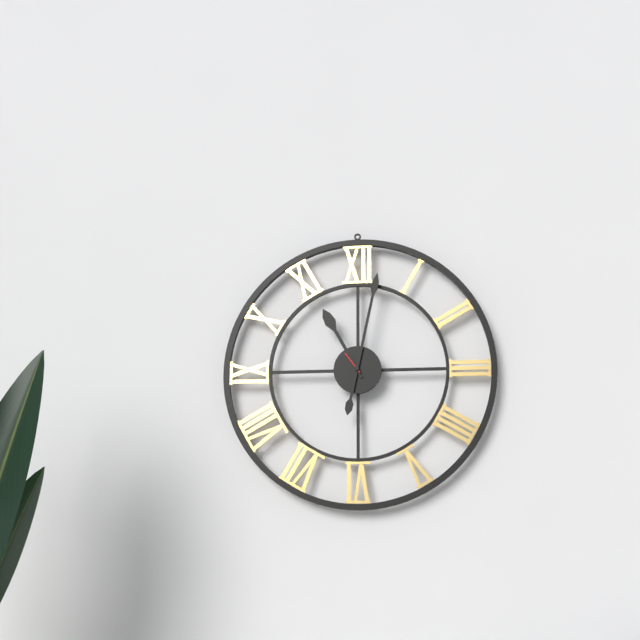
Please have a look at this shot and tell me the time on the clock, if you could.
11:02
